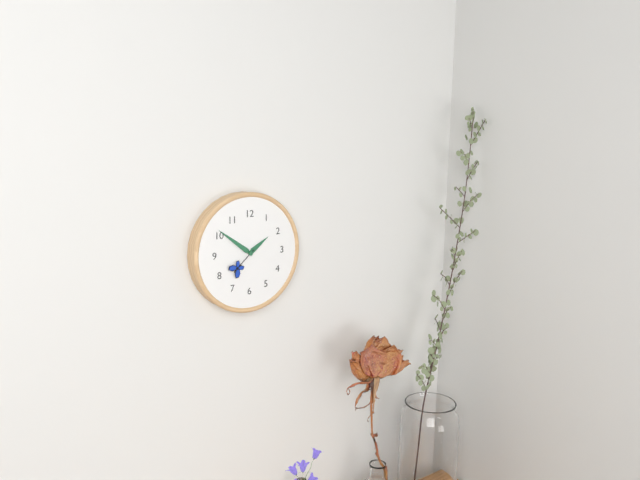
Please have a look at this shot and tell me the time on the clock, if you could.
1:51
